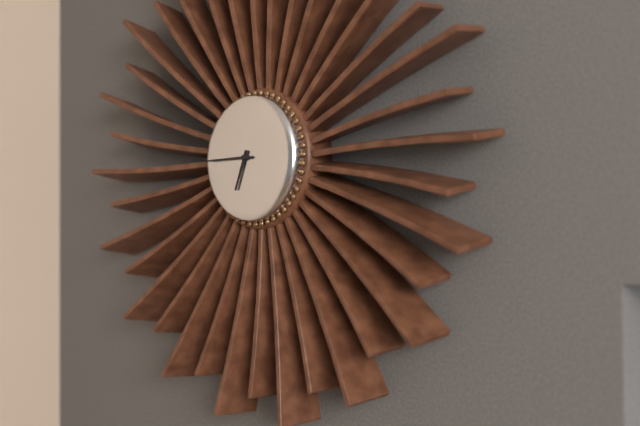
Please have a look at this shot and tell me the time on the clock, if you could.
6:45
